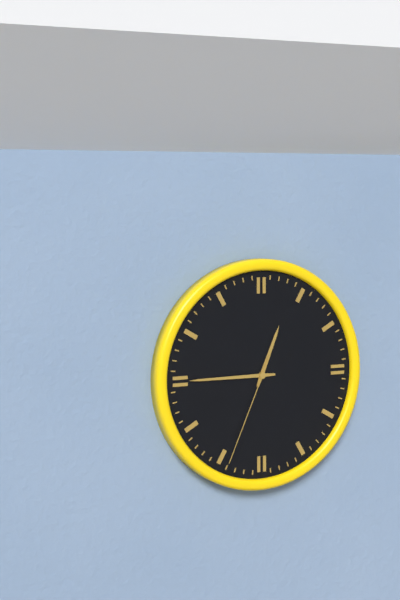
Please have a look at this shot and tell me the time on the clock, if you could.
12:45:34
